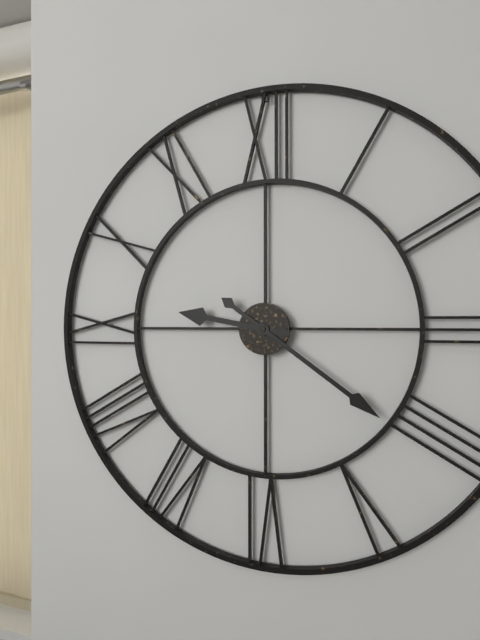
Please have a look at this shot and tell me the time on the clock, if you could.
9:21
